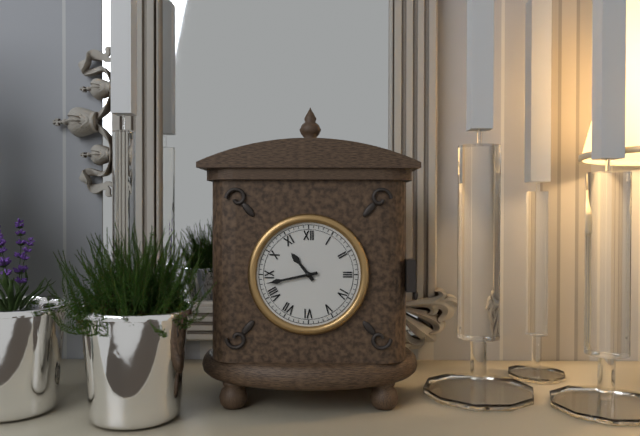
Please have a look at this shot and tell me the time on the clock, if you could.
10:43
